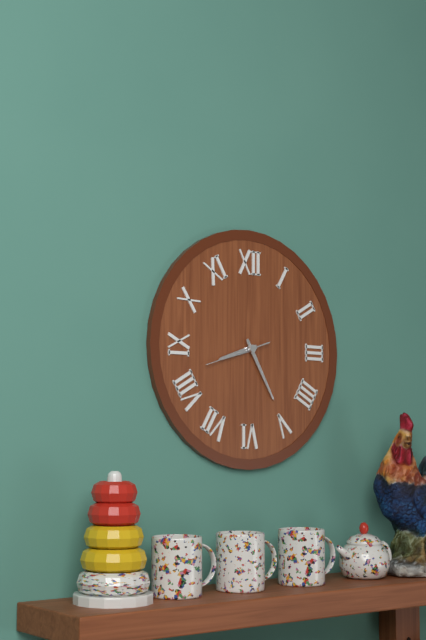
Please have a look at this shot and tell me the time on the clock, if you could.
8:25:42
